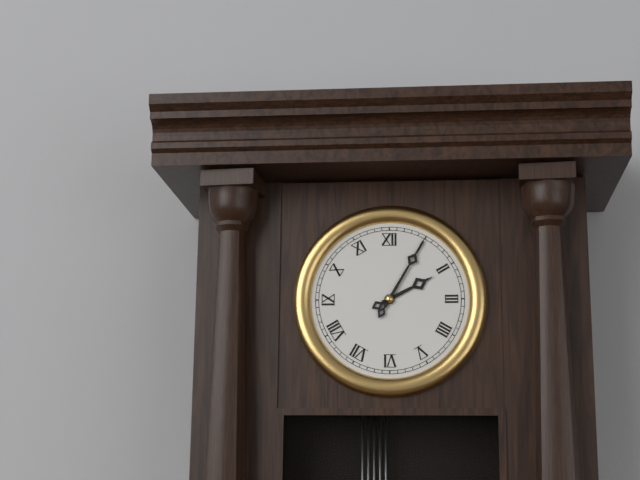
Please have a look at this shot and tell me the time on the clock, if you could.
2:05
